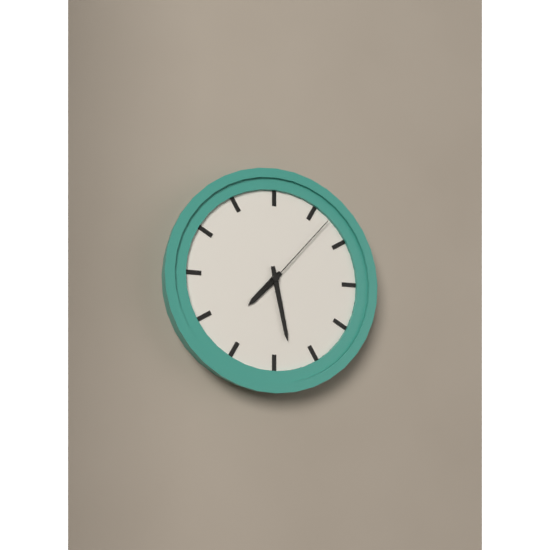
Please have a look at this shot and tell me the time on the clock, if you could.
7:28:07
